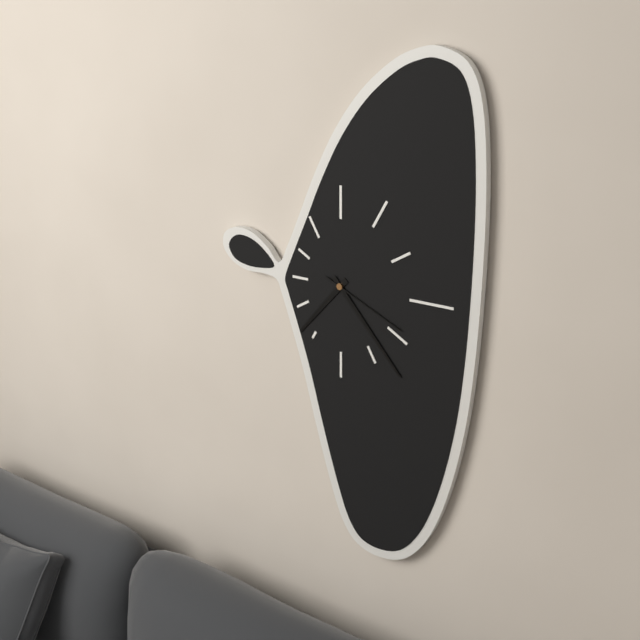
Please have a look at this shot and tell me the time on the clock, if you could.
7:23:19
